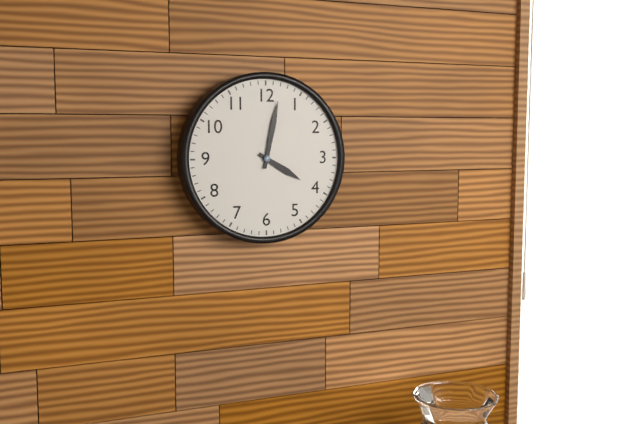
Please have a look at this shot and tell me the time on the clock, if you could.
4:02
